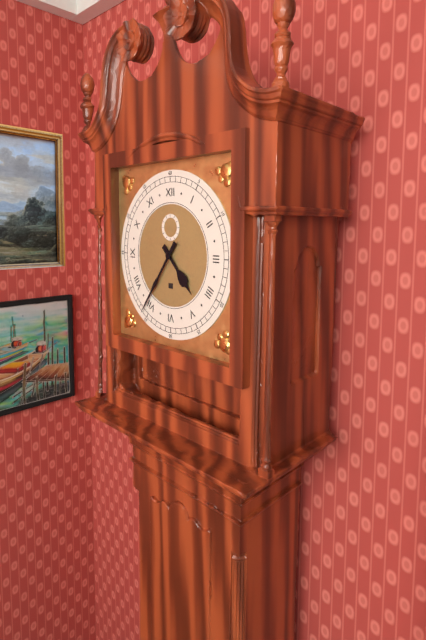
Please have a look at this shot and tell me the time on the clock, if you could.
4:36
